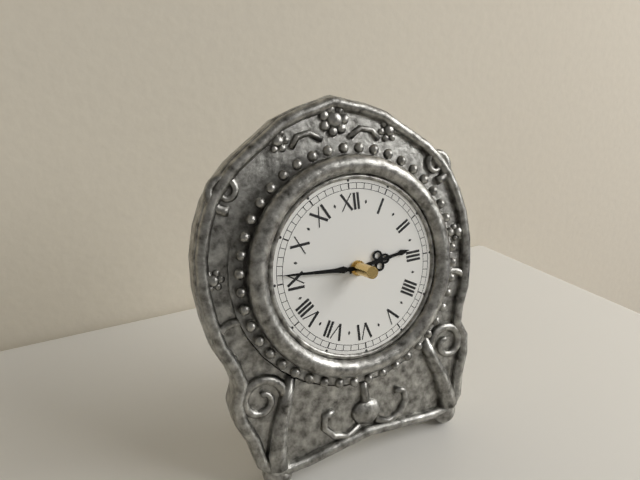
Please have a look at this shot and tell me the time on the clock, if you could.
2:46
